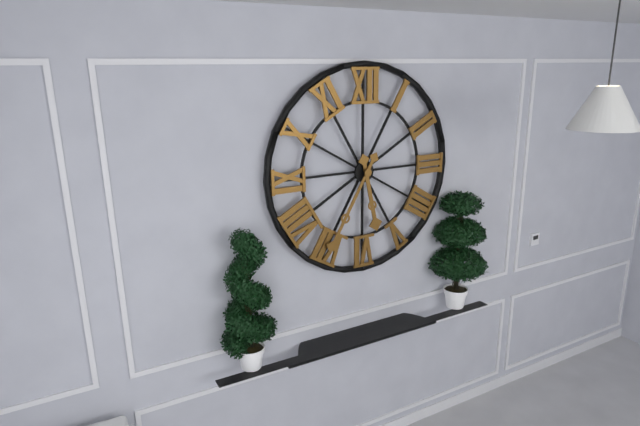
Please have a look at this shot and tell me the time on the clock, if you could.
5:35
